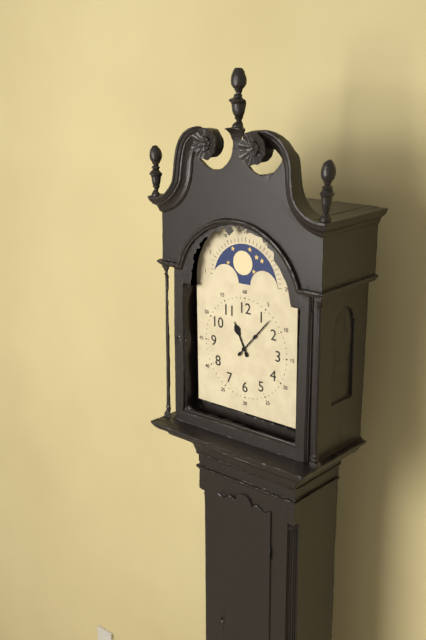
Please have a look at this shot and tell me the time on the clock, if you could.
11:07
